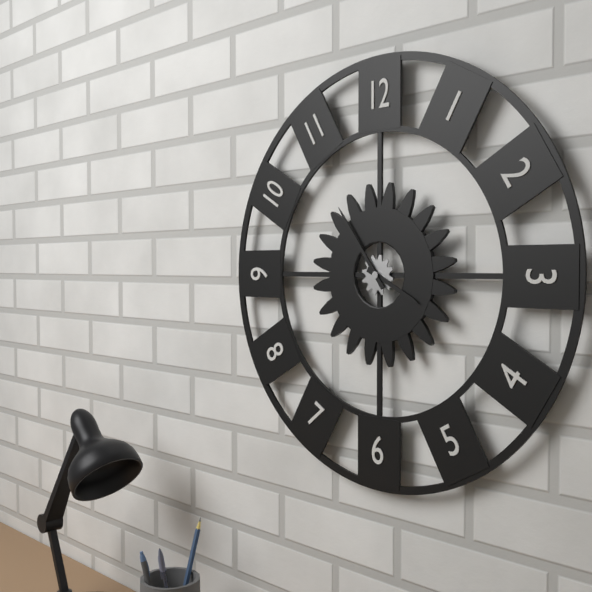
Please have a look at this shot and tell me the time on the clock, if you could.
3:54
